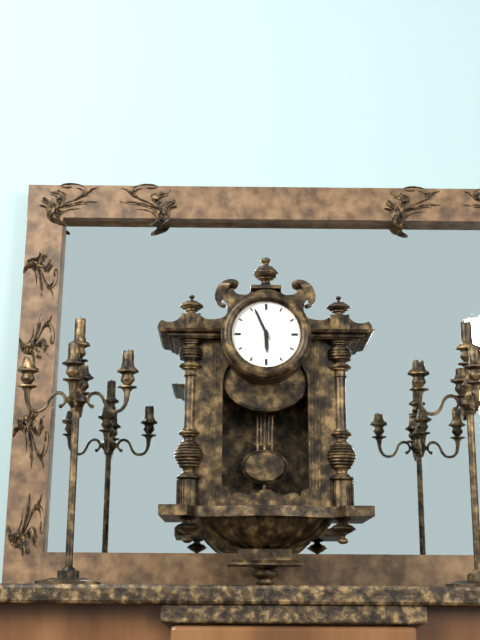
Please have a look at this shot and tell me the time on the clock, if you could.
5:56
